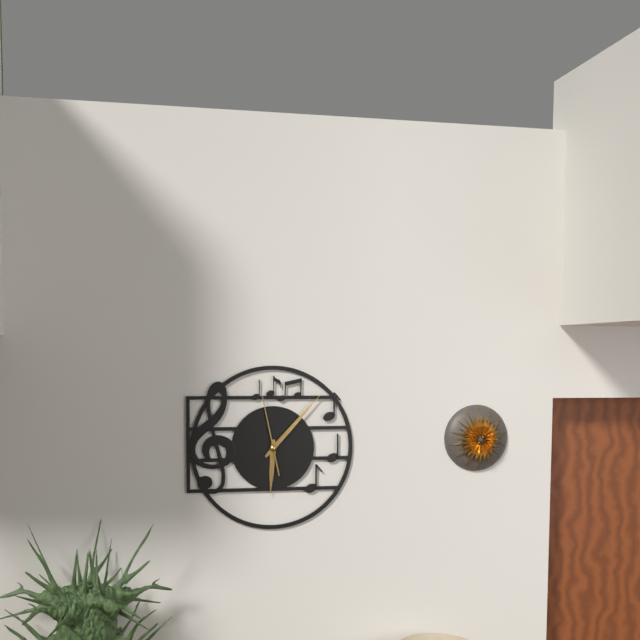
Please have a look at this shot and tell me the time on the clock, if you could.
6:07:58
